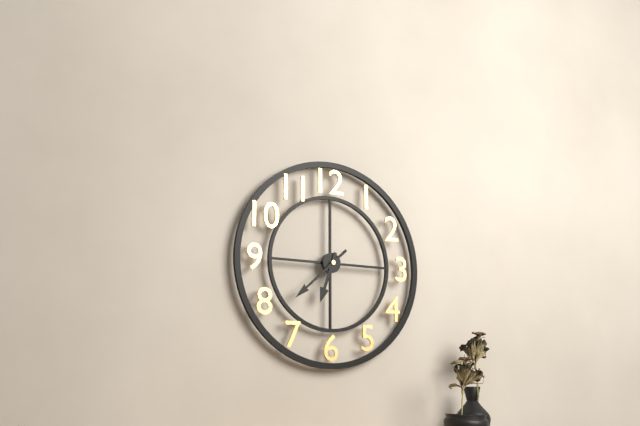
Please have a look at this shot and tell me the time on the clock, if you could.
6:38
